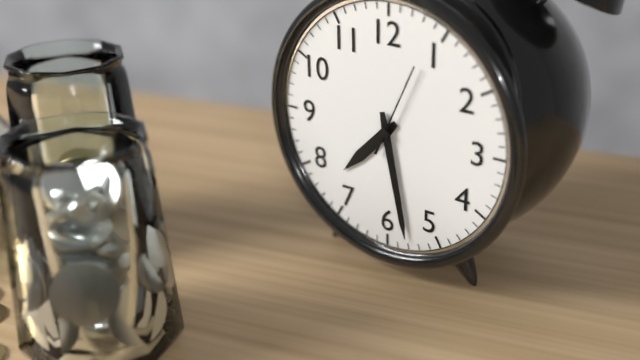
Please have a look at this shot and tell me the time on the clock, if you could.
7:28:04
